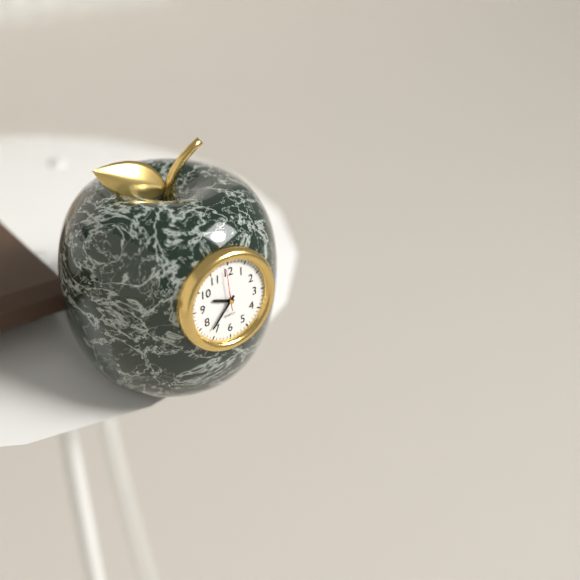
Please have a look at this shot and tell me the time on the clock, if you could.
9:37
